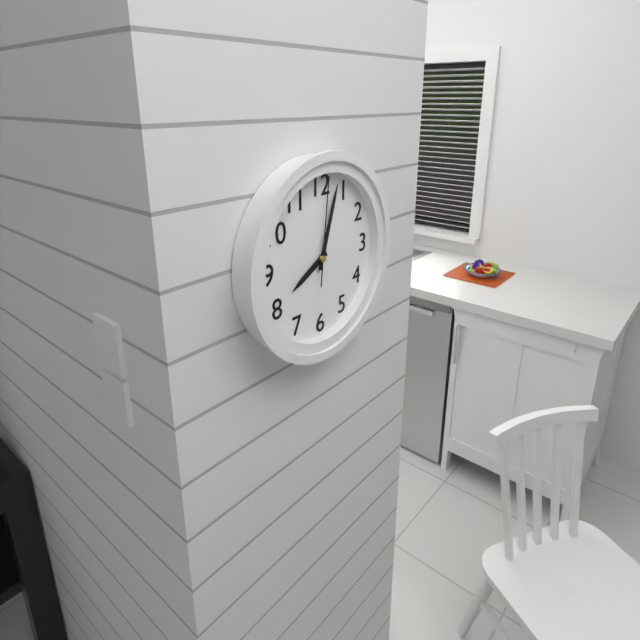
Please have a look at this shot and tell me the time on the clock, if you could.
8:03:01
